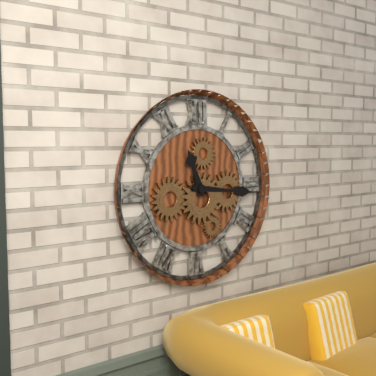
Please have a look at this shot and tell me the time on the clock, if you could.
11:16
